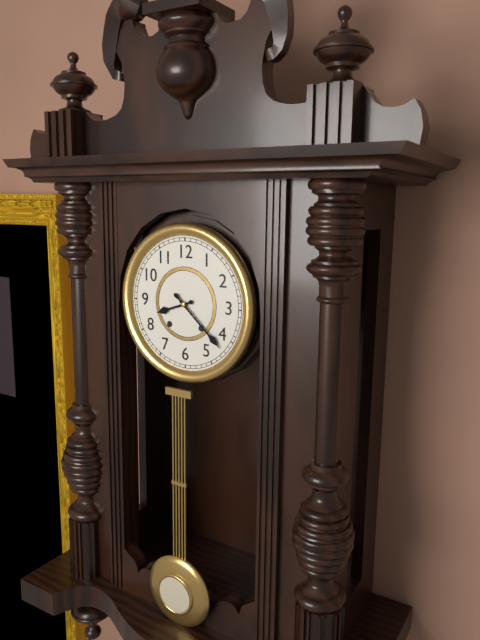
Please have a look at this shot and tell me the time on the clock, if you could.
8:22
